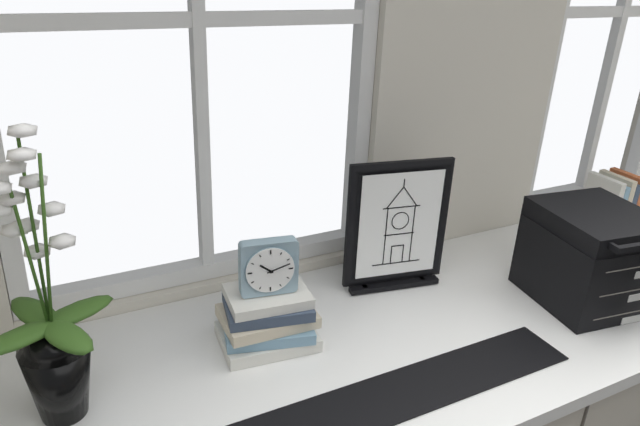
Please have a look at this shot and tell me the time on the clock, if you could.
10:12
